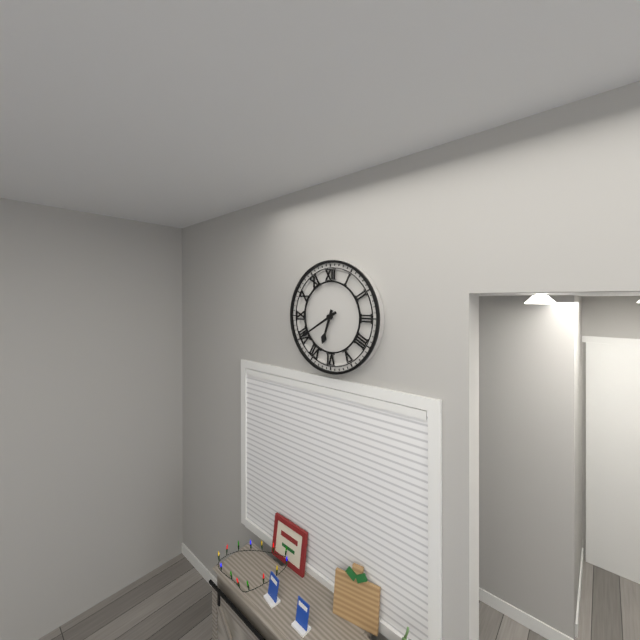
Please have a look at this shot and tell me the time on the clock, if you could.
6:40
